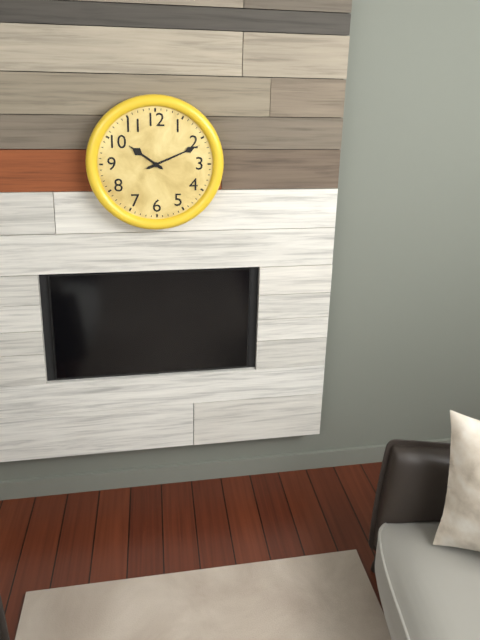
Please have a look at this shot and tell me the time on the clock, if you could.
10:11
